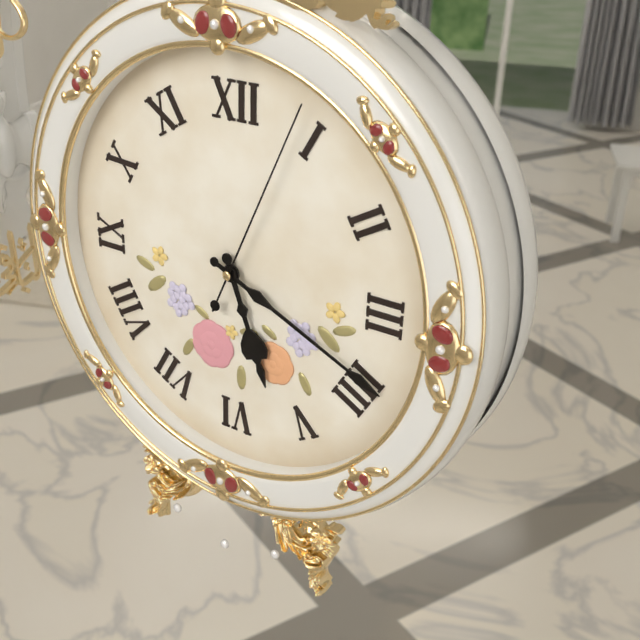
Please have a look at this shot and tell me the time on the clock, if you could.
5:19:04
